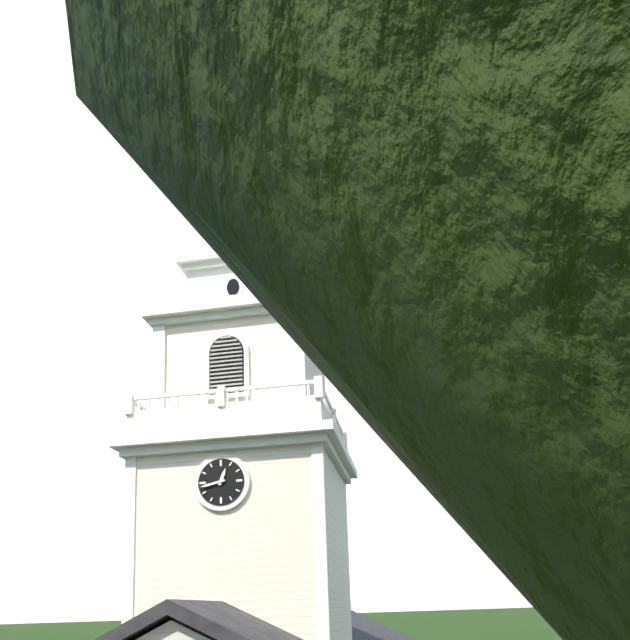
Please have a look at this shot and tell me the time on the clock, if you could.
12:43
